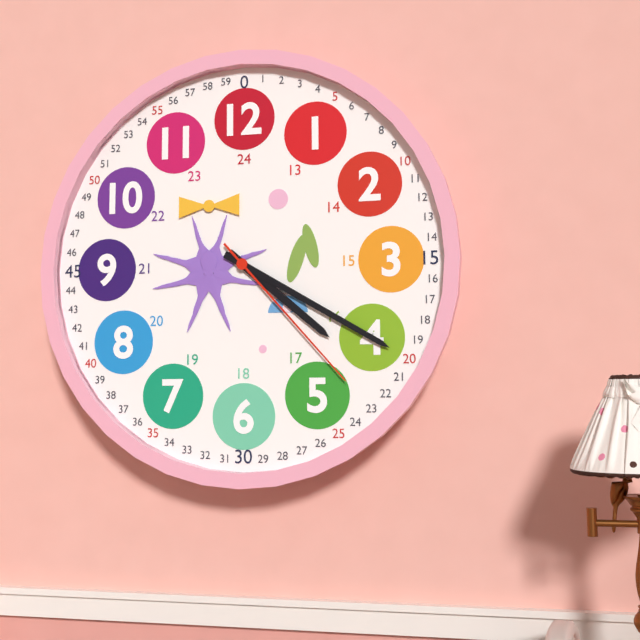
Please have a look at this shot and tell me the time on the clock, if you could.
4:20:23
